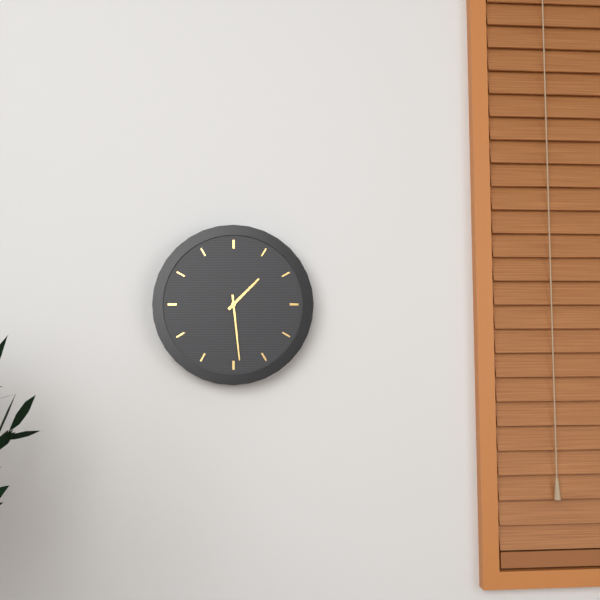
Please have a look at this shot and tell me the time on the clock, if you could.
1:29
